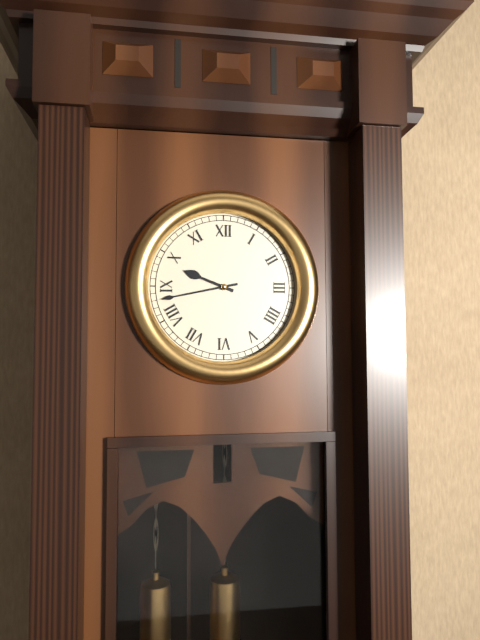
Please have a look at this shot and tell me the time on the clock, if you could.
9:43
